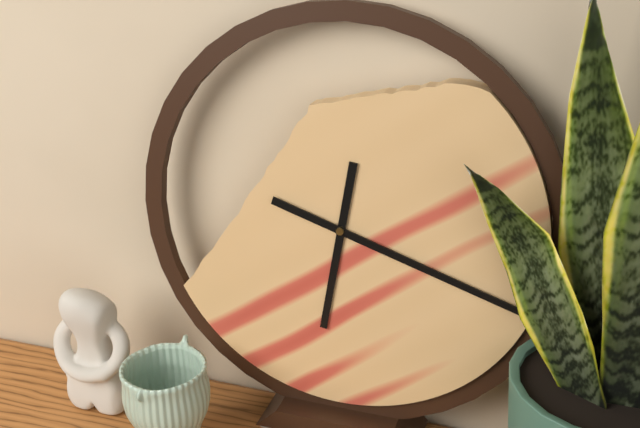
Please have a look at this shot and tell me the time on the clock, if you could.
6:18
